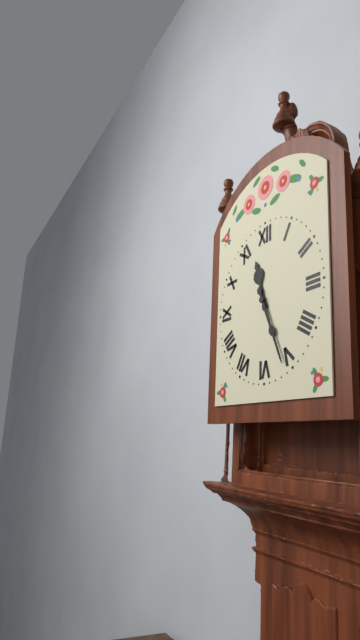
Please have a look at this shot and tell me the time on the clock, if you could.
11:26
